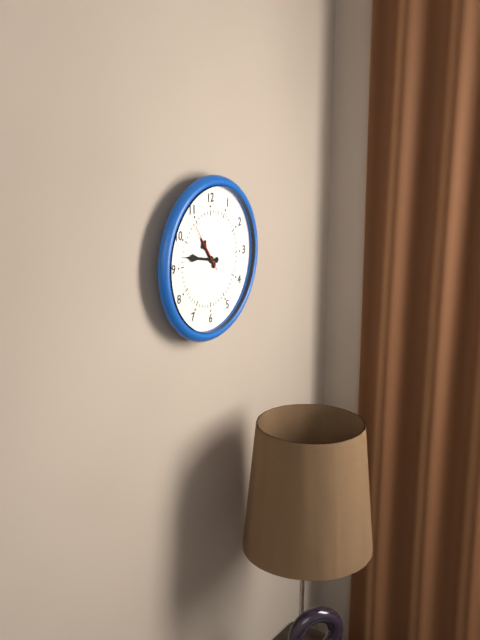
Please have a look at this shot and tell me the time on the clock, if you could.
10:47
